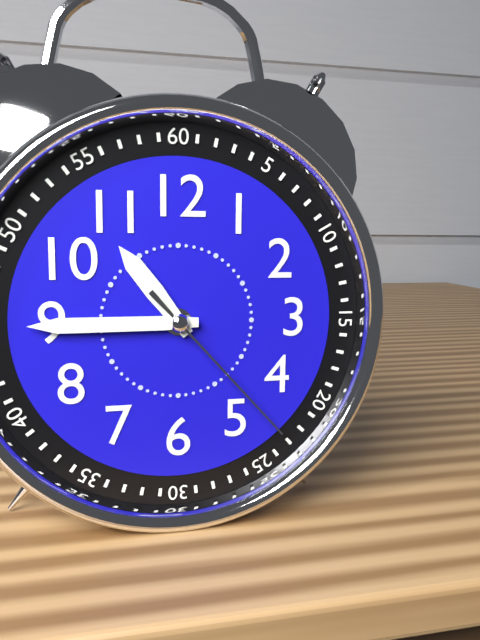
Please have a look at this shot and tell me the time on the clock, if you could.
10:45:23
